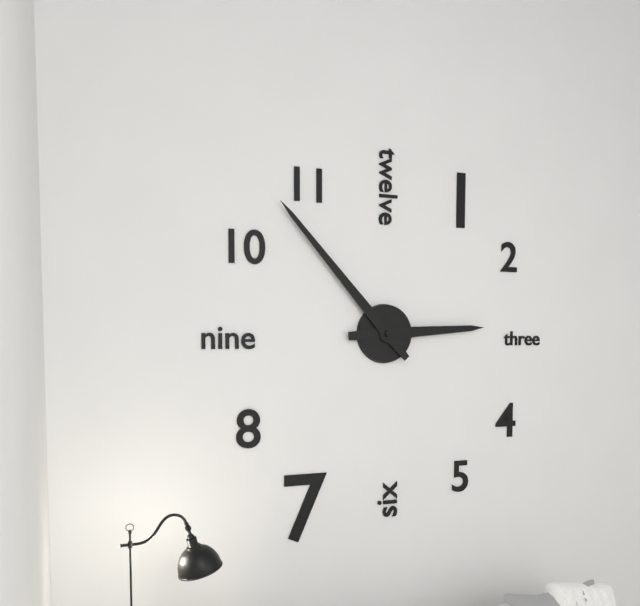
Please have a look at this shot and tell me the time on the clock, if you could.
2:53
